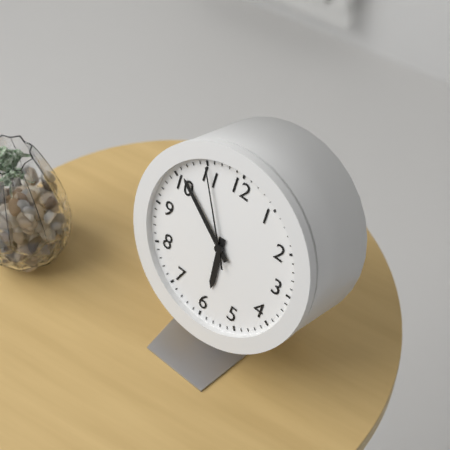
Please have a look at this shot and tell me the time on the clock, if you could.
5:51:55
